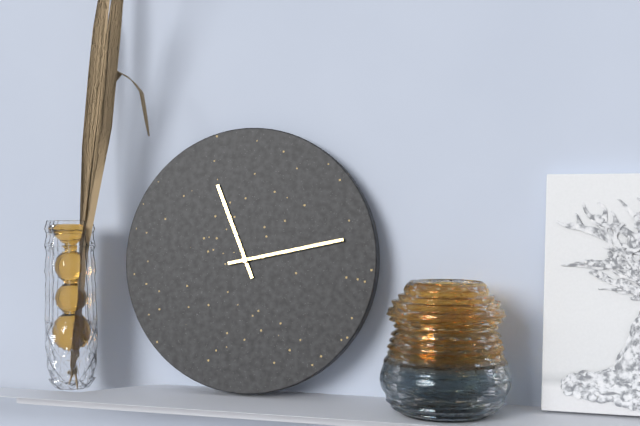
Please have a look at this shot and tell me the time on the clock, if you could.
11:13
